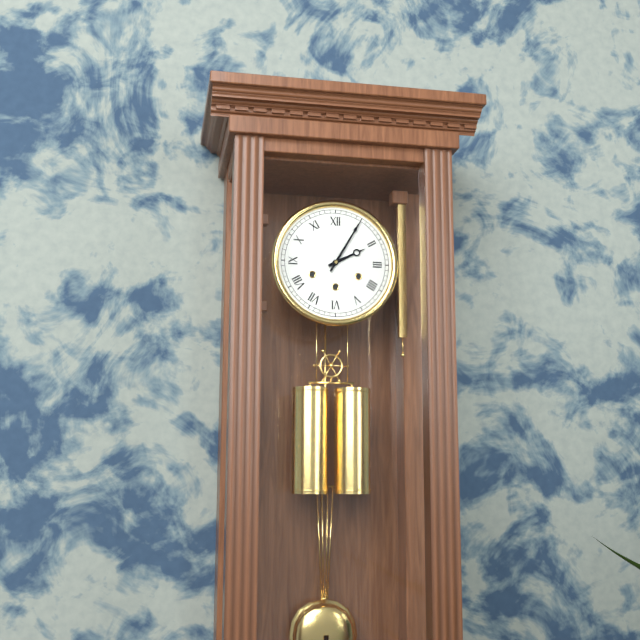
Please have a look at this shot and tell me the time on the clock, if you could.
2:05
